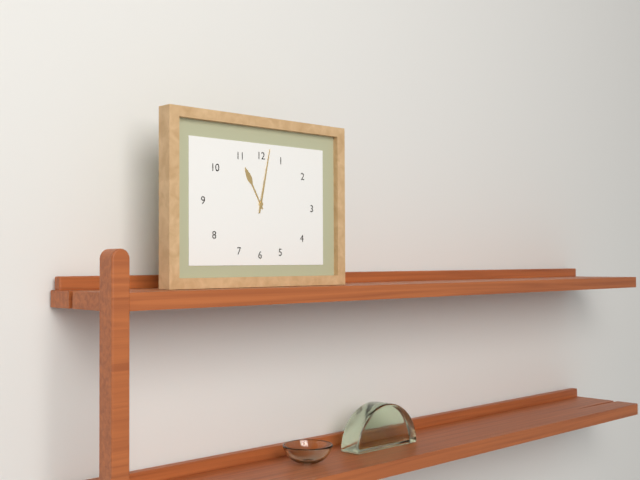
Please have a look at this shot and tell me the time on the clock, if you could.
11:02
